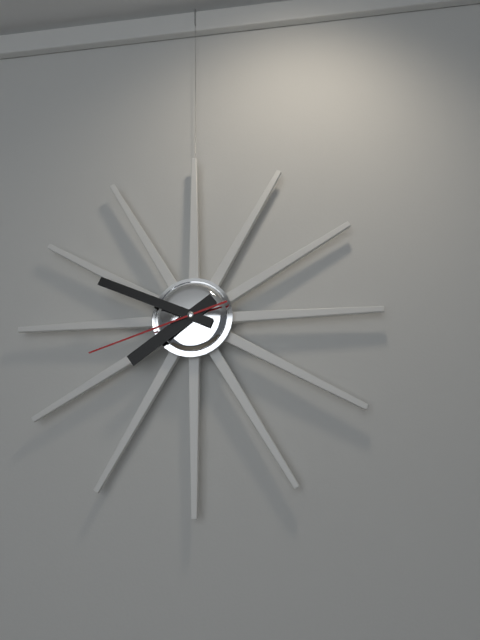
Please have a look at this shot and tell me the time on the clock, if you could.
7:49:42
